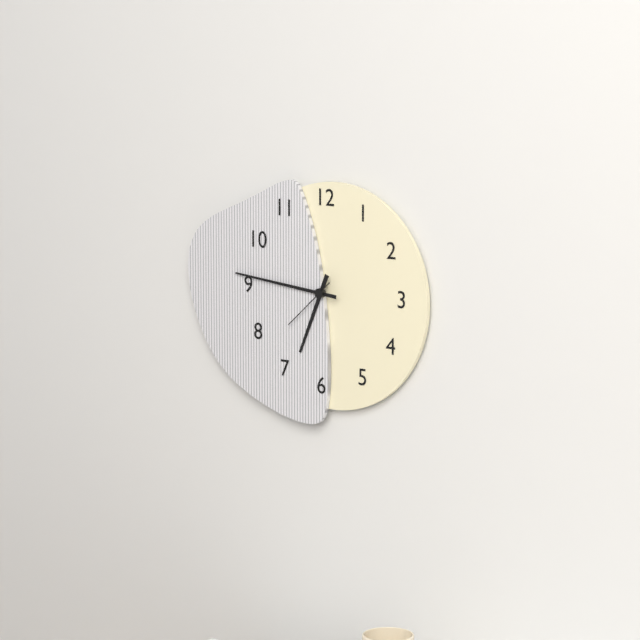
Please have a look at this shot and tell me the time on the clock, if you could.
6:46:38
